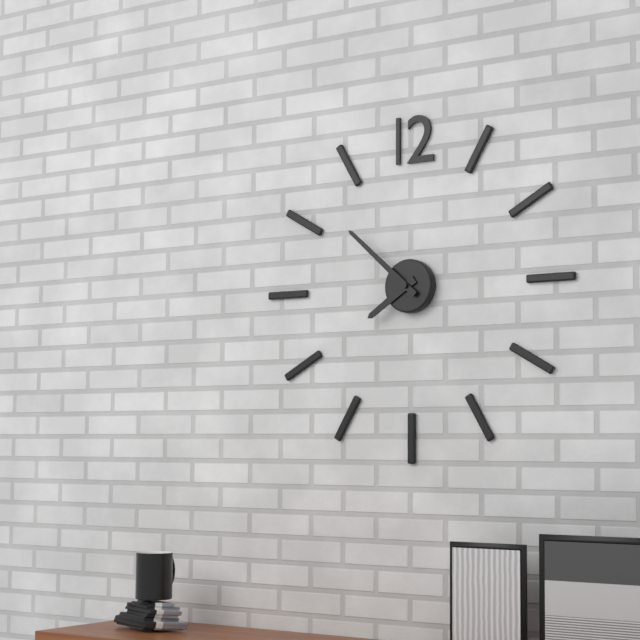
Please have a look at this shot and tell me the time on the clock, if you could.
7:52
